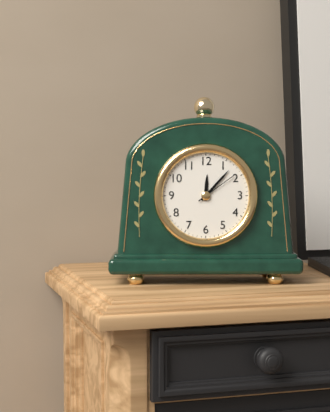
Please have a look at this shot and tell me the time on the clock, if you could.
12:07
